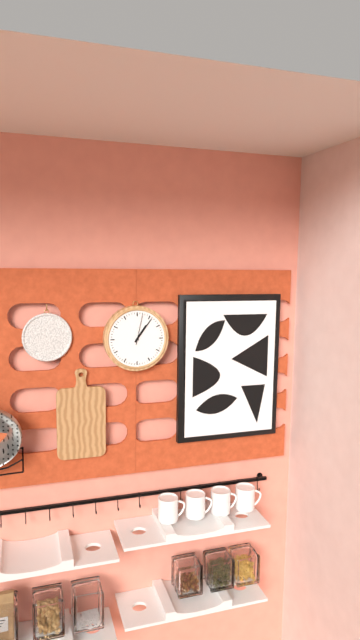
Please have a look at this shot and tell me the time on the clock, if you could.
1:06
